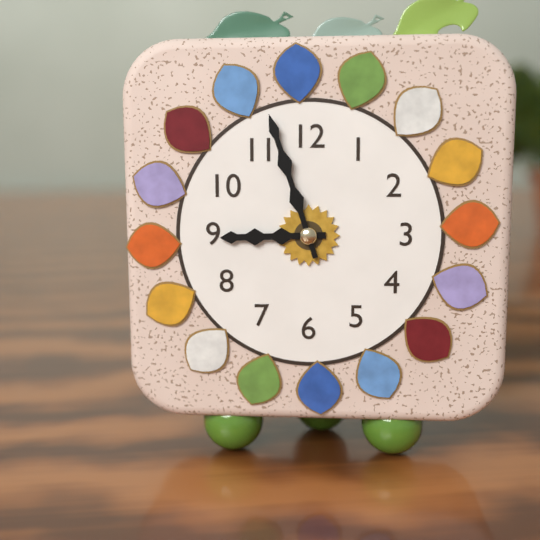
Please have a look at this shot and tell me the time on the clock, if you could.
8:57
